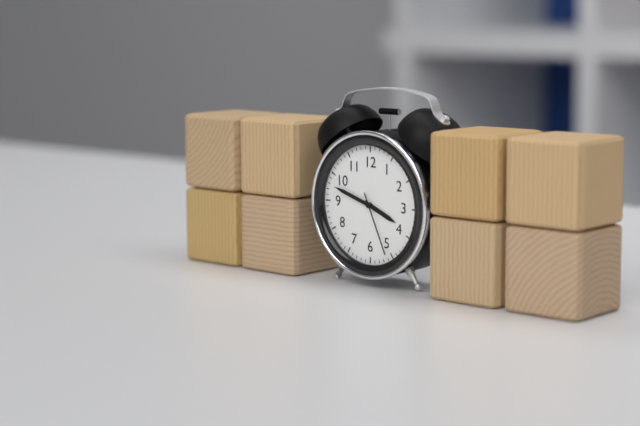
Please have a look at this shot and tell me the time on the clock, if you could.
3:48:26
